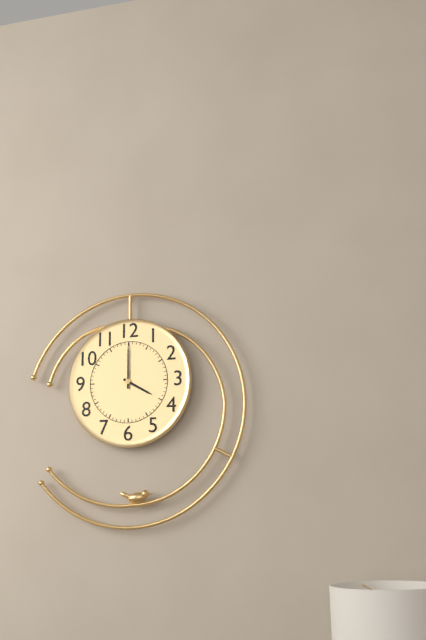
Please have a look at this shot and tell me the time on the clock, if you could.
4:00
